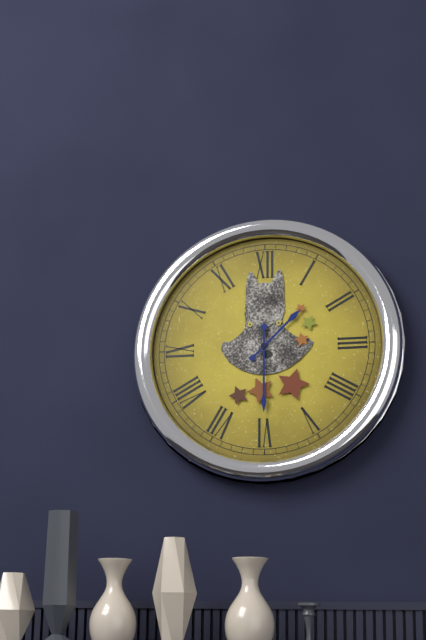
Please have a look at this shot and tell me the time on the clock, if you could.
1:30
